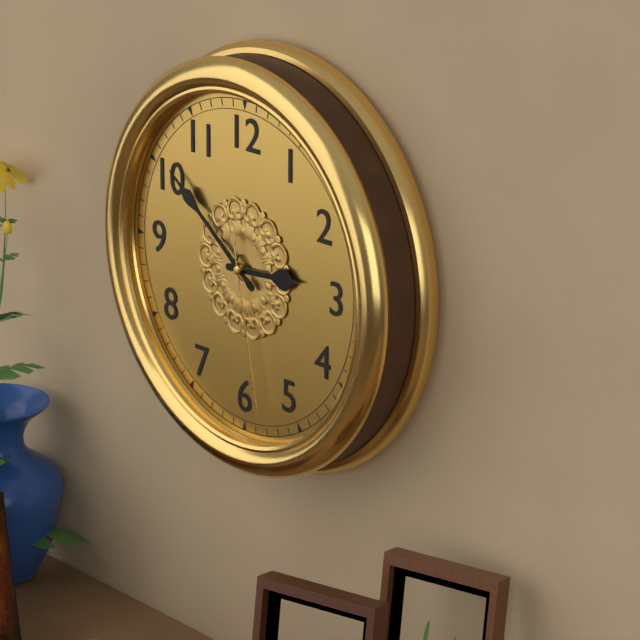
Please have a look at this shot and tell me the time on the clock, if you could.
2:51:28
